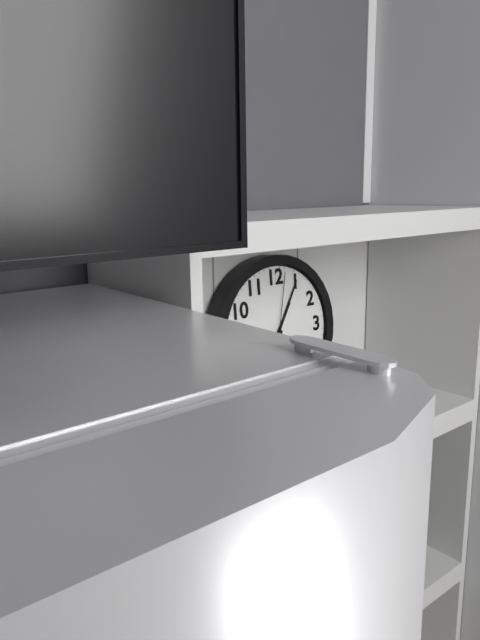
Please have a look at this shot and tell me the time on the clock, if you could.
1:05:02
